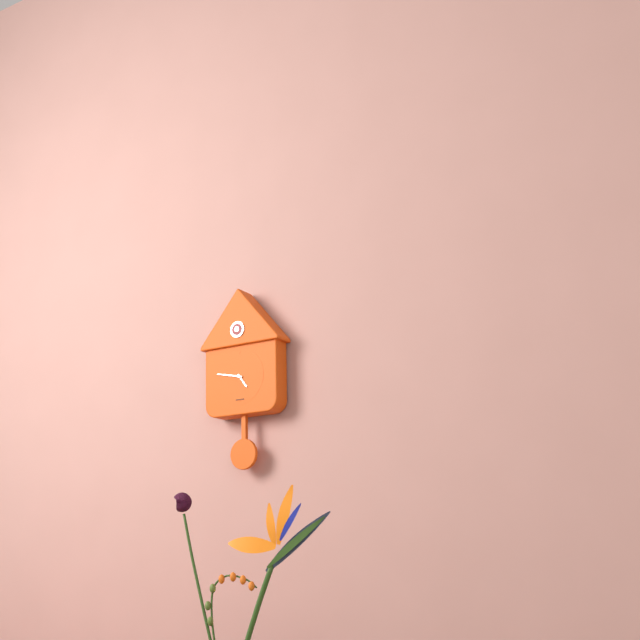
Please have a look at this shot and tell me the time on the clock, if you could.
4:47
